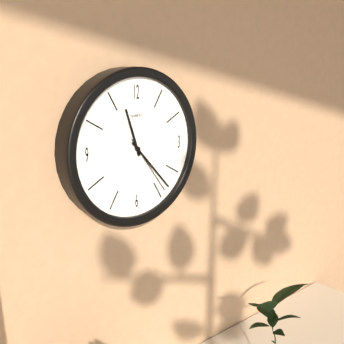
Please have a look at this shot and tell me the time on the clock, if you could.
11:23:24
